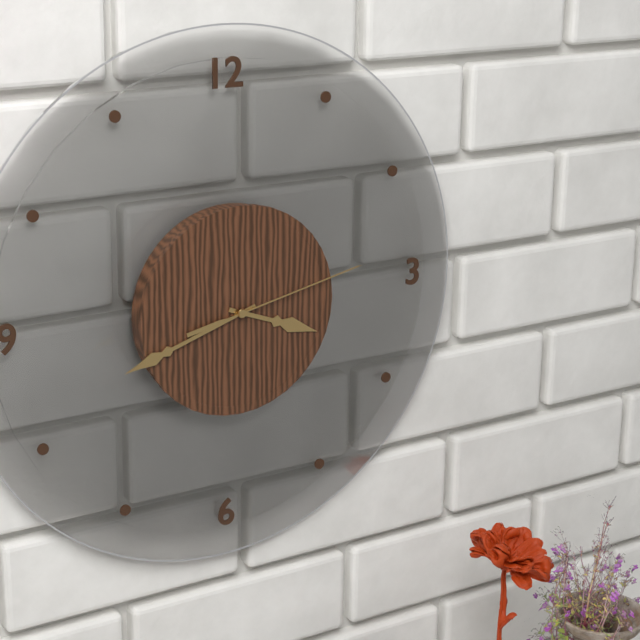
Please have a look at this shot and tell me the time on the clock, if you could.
3:42:13
